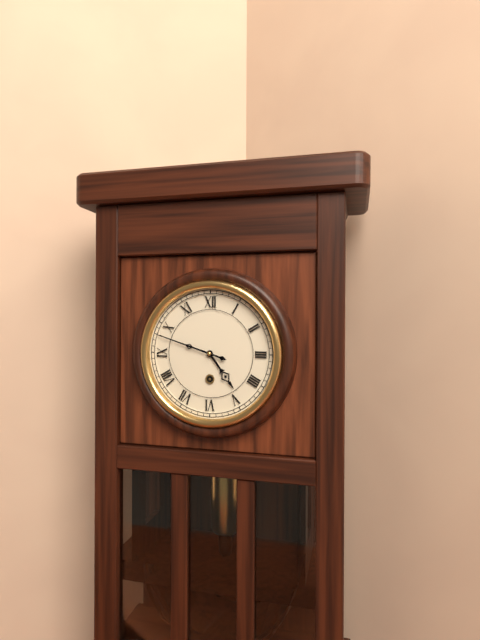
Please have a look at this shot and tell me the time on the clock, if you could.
4:48
